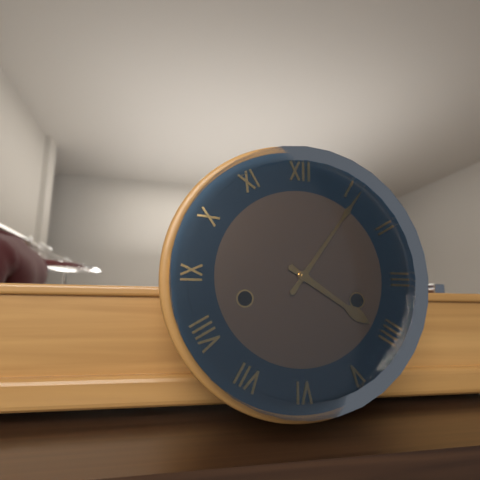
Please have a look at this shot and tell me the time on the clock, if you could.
4:06
